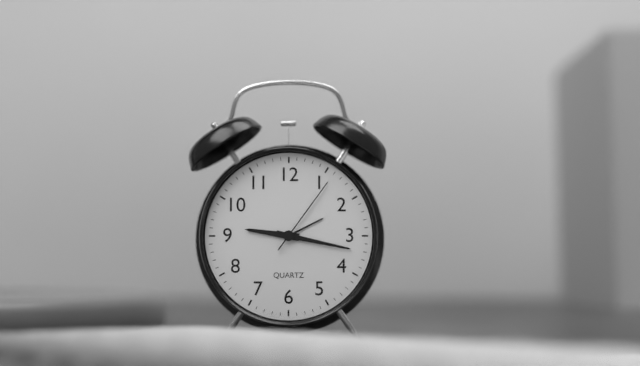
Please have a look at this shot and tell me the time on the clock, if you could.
9:17:06
